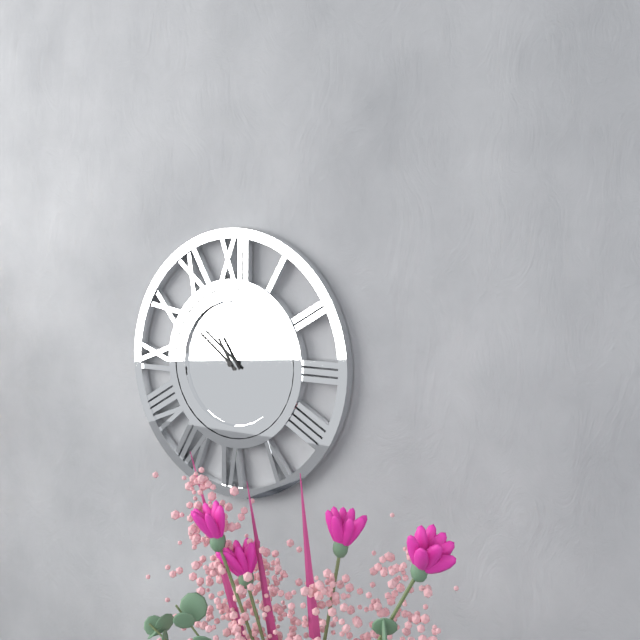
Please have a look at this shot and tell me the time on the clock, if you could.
10:51
